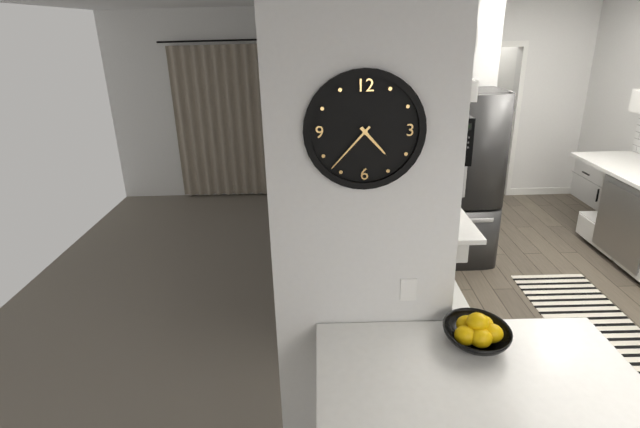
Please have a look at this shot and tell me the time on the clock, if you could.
4:37
